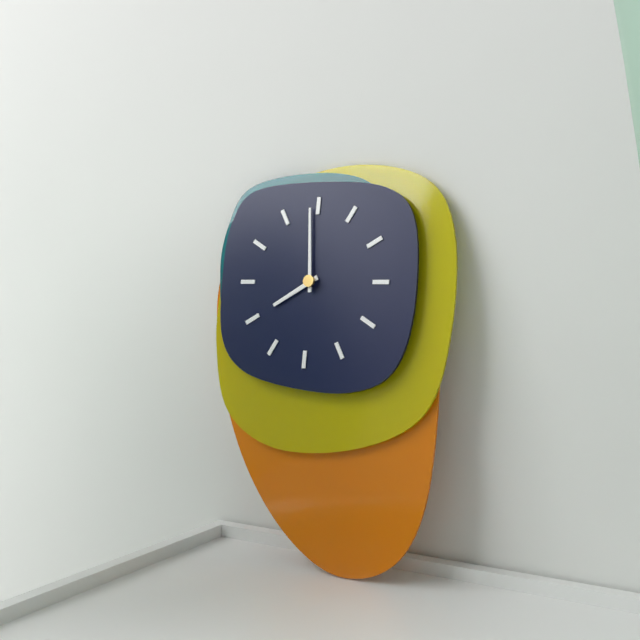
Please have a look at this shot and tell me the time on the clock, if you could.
7:59
